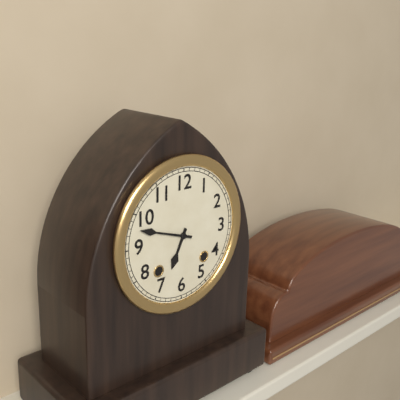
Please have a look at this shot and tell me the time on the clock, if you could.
6:48
